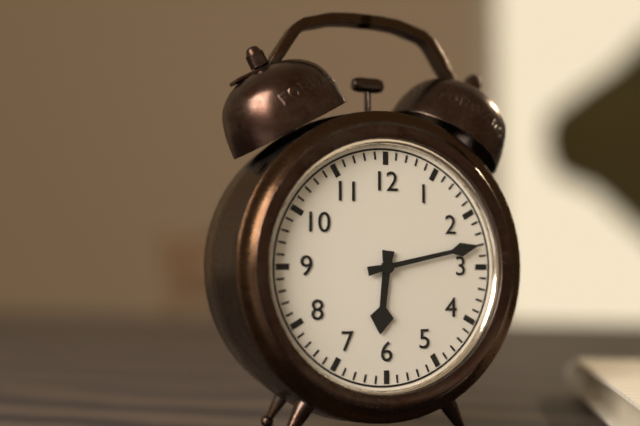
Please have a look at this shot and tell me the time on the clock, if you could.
6:13
